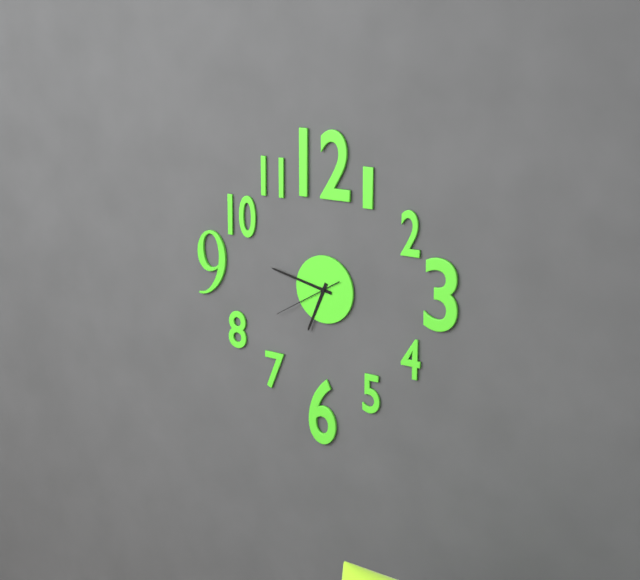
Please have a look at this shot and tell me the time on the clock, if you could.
6:47:40
